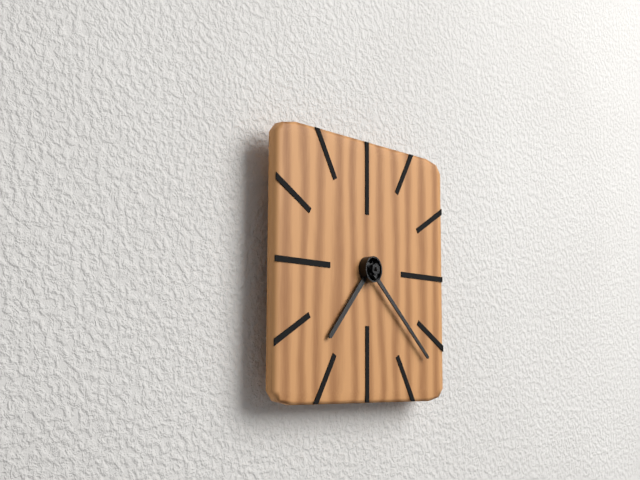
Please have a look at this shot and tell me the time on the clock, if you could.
7:22
